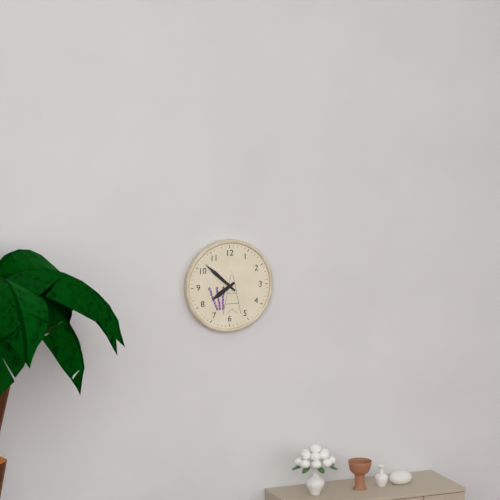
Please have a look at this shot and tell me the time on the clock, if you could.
7:52
